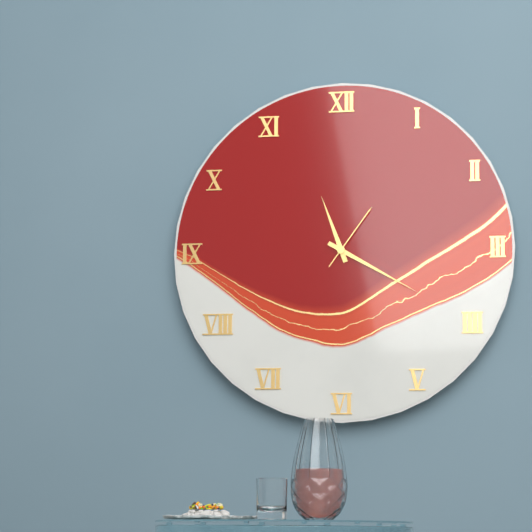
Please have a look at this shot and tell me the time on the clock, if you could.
11:20:06
